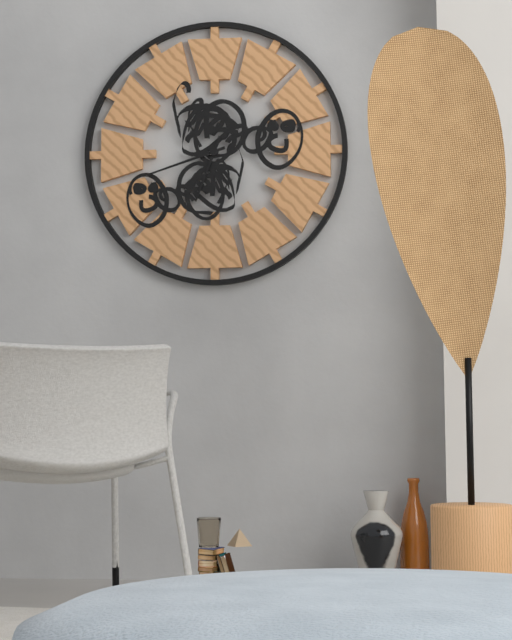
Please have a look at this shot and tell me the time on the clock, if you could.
6:42
